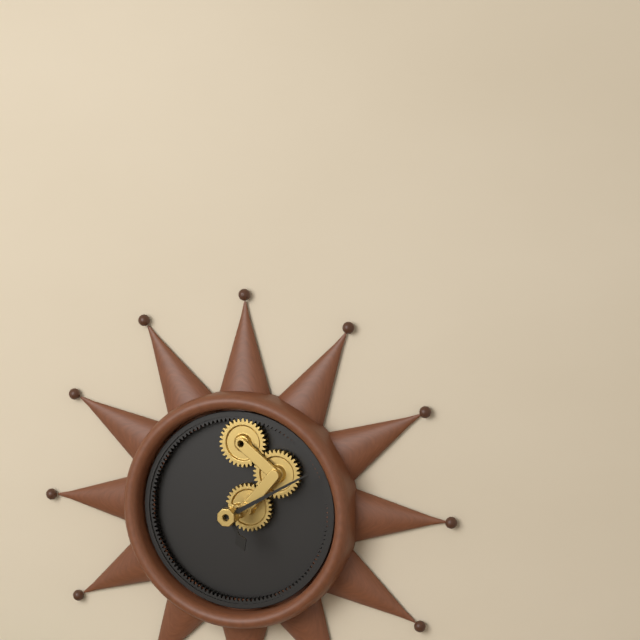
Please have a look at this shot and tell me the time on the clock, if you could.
5:10
